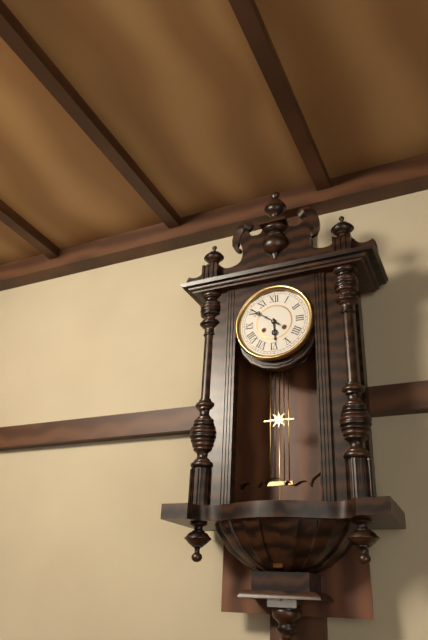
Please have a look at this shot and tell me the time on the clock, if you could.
5:51
